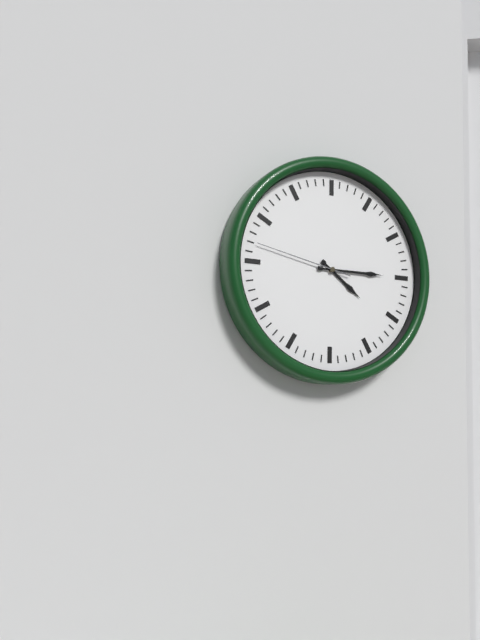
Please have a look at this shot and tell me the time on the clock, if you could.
4:15:47
